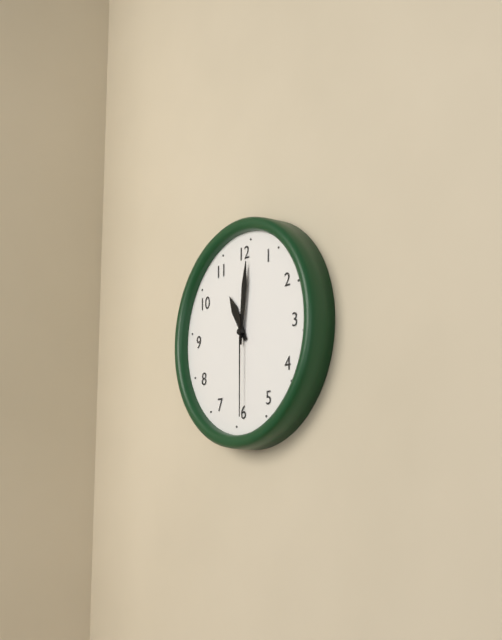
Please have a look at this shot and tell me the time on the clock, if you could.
11:01:30
